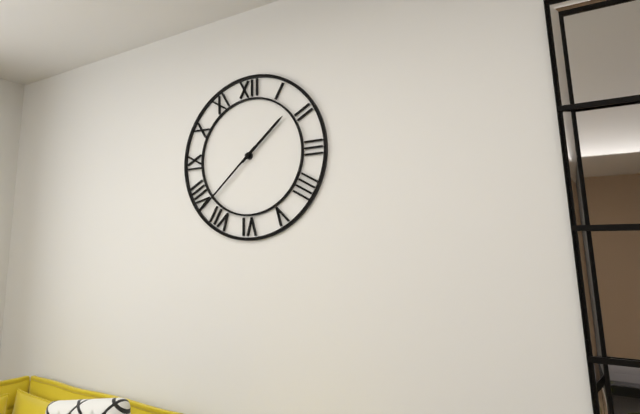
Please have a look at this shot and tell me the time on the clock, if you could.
1:38
